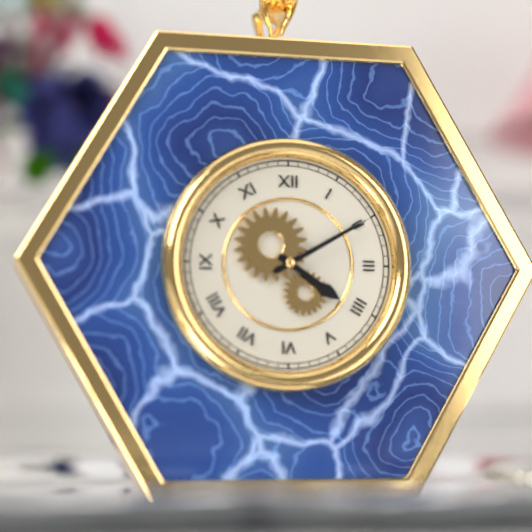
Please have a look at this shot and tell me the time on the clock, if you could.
4:10
